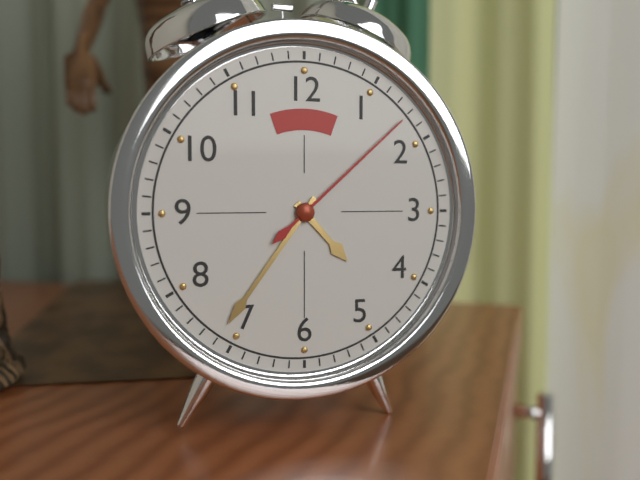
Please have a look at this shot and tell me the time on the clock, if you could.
4:36:08
